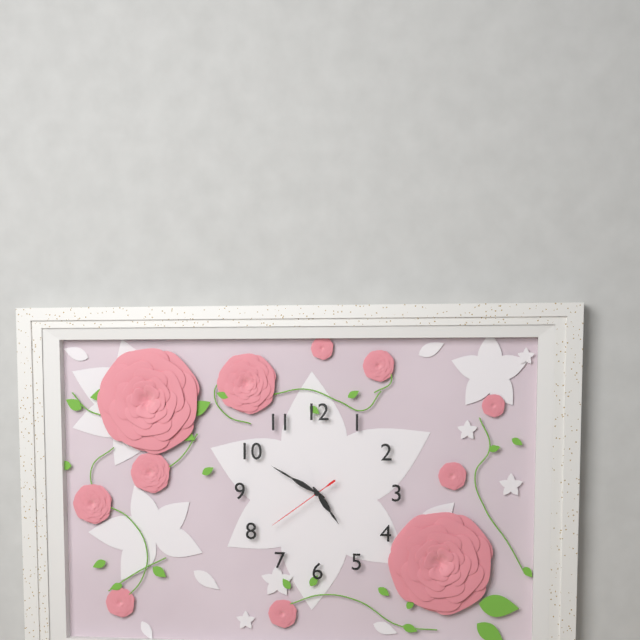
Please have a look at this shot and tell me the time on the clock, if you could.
4:50:39
